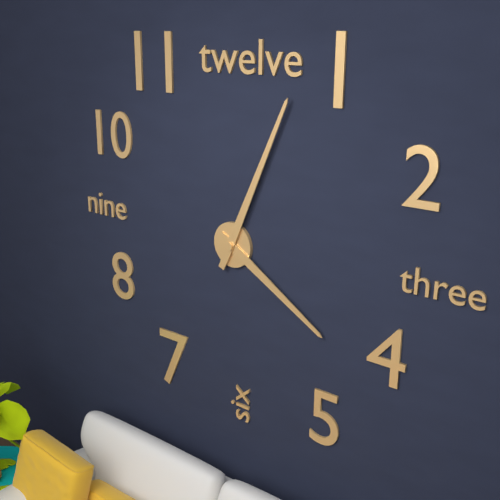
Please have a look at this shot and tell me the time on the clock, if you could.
4:04
